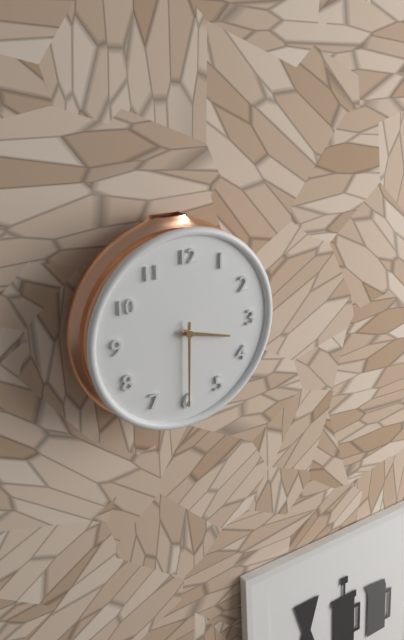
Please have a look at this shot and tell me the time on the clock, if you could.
3:30
